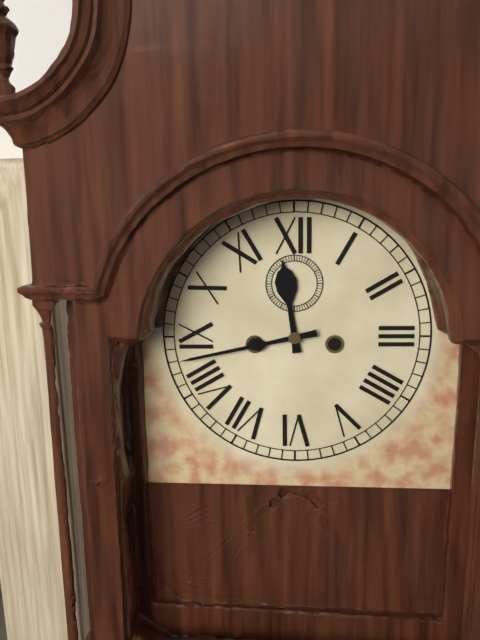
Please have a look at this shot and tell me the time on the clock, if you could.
11:43
